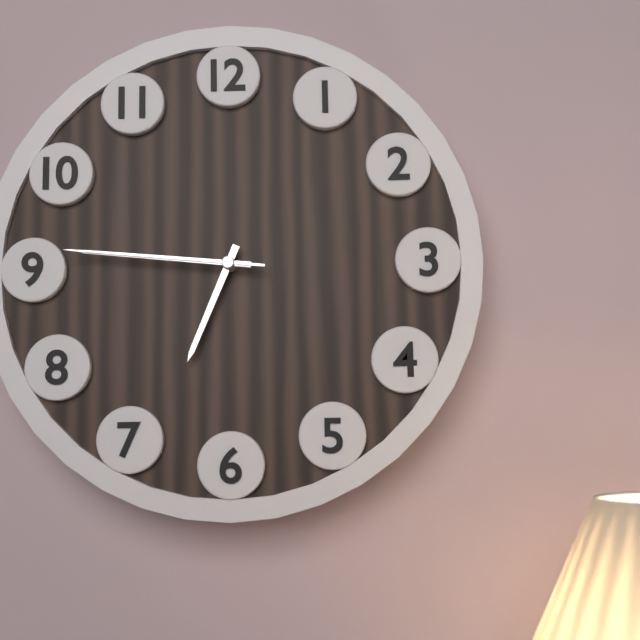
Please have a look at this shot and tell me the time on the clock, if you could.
6:46:46
